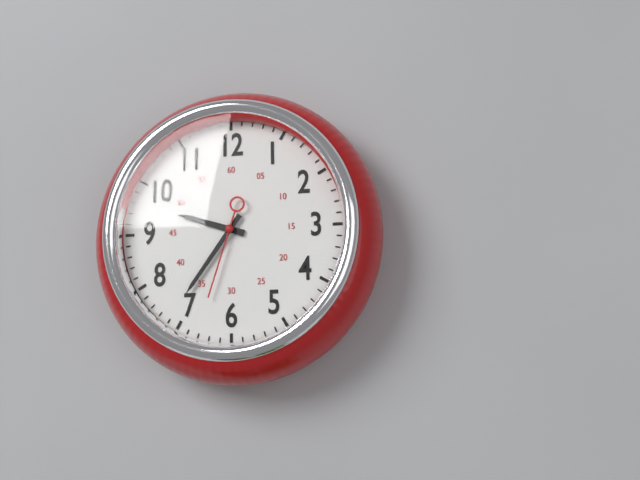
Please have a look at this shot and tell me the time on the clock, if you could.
9:36:33
